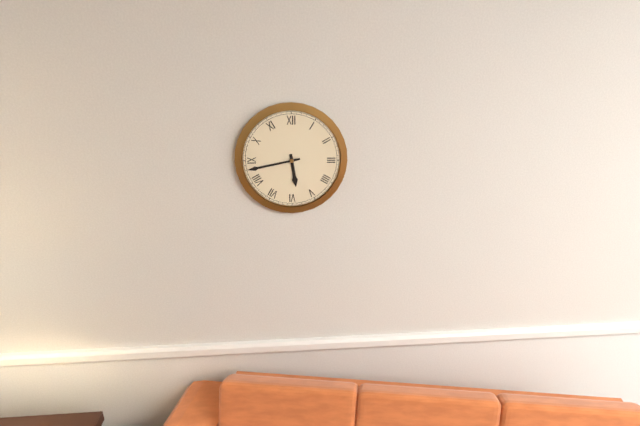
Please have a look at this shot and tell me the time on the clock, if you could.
5:43
